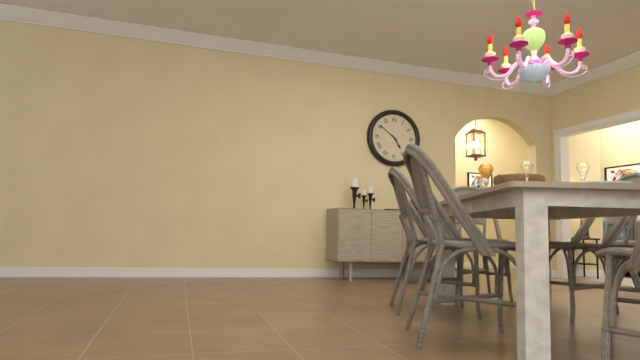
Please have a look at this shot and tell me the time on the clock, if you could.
4:51
